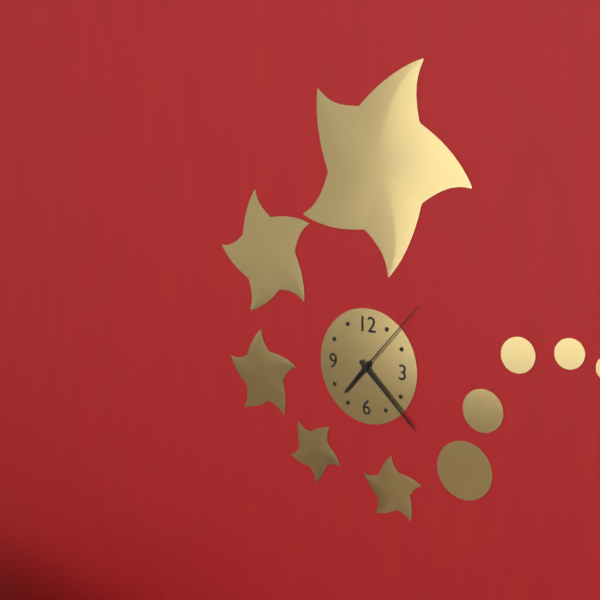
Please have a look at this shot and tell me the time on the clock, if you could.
7:22:07
